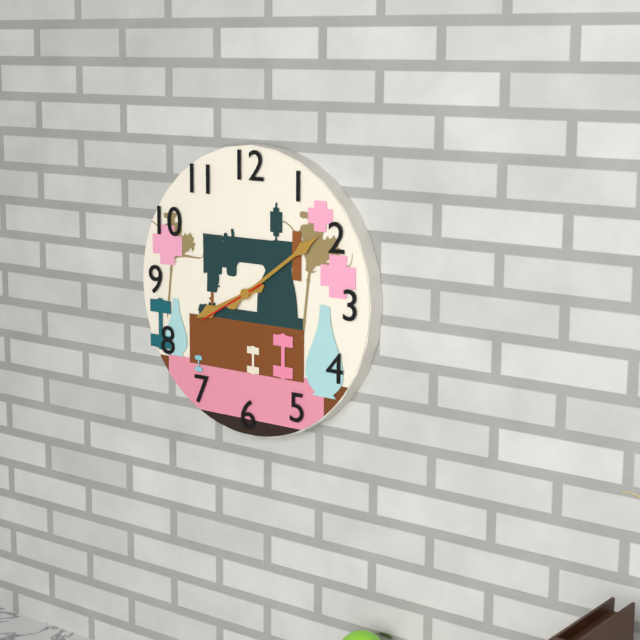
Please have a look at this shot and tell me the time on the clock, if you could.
8:09:40
